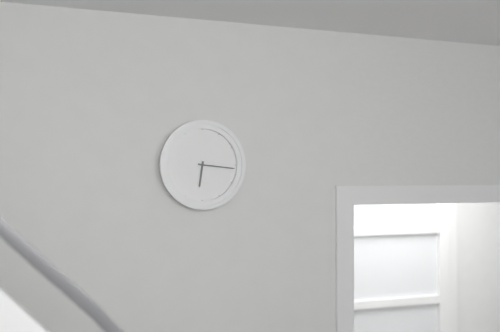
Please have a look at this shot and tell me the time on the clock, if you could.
6:16
